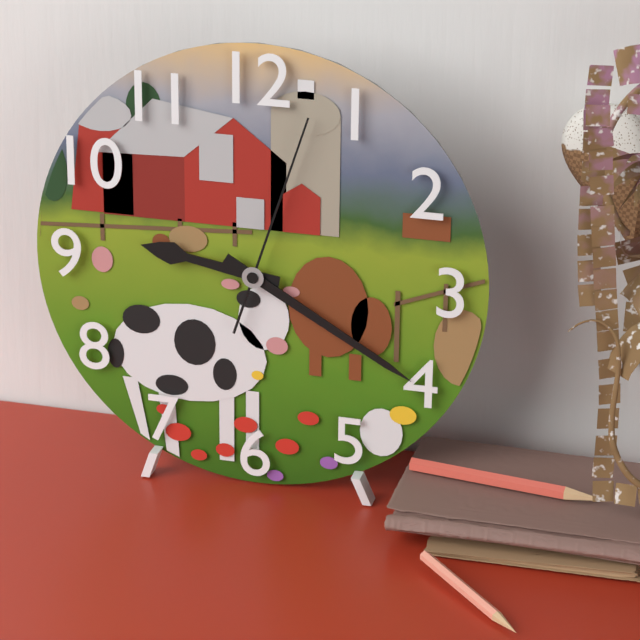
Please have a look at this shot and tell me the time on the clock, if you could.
9:20:03
